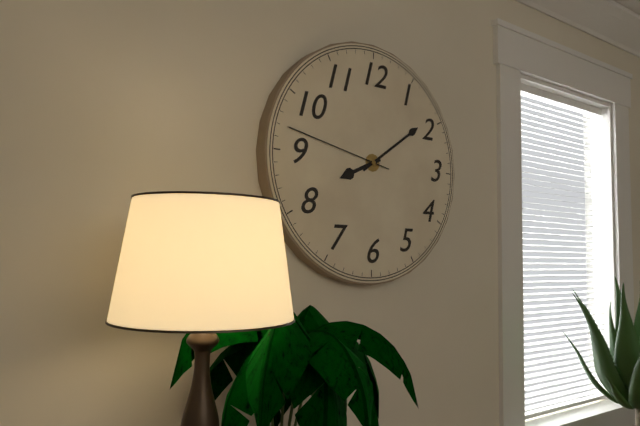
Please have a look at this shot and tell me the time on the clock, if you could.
8:09:47
